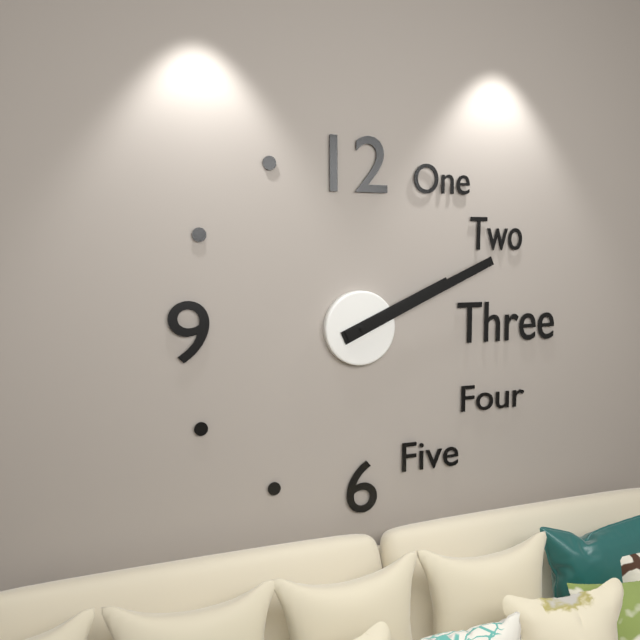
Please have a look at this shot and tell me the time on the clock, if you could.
2:11
